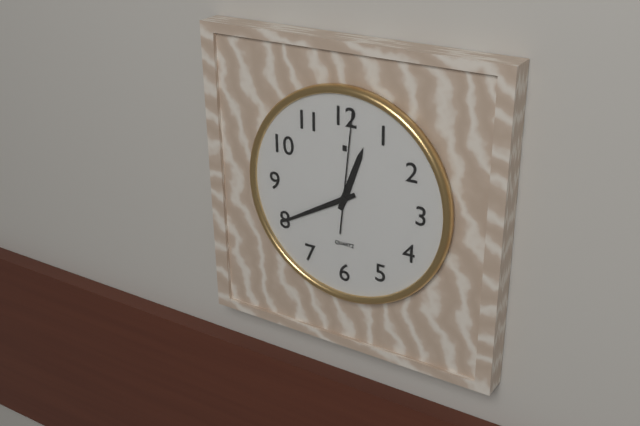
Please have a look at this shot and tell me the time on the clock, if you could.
12:40:01
